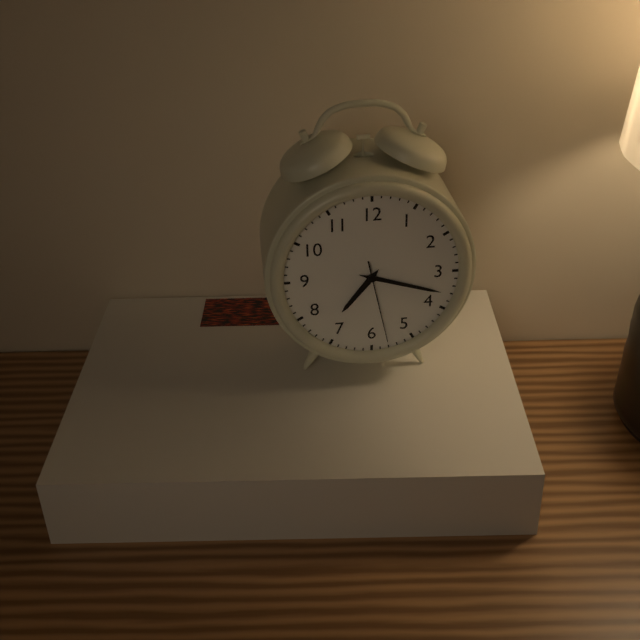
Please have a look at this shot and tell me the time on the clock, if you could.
7:18:28
